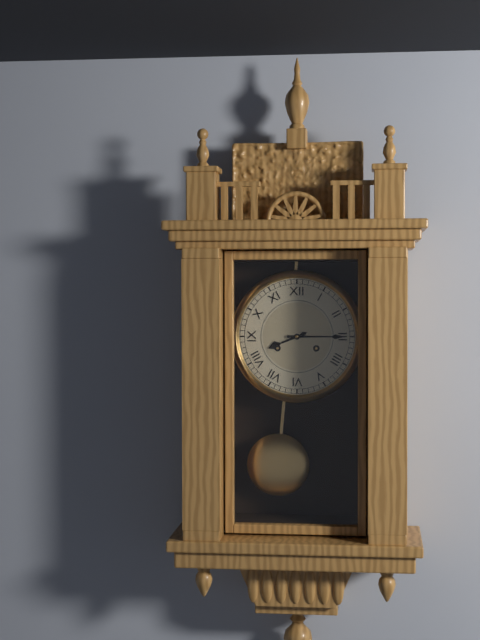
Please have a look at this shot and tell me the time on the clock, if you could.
8:15
